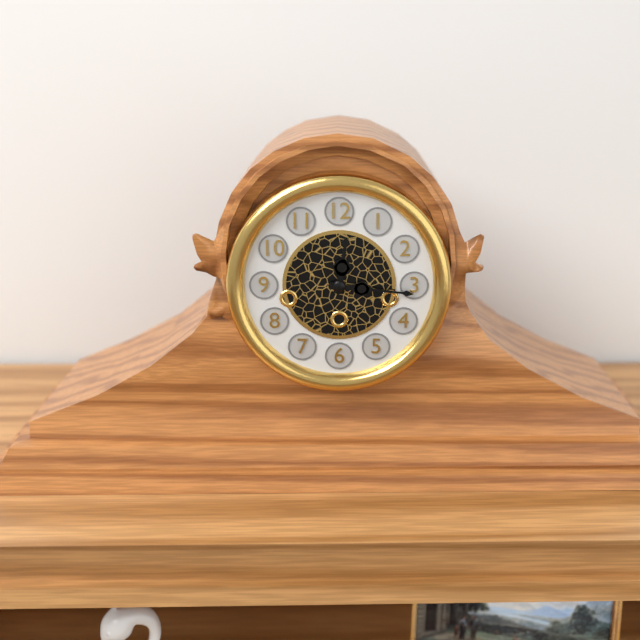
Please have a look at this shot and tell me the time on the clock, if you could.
12:16
